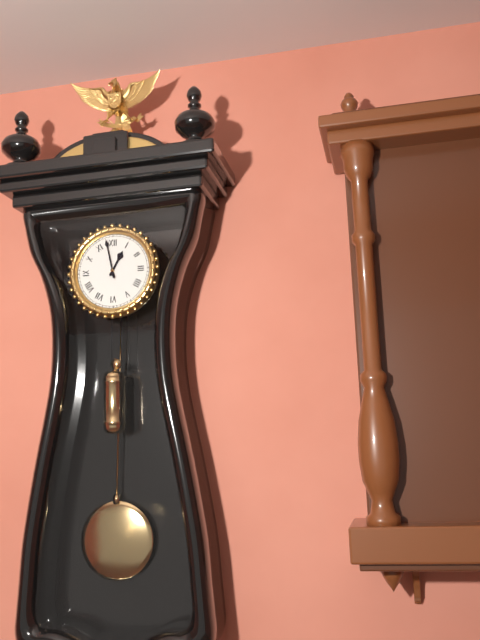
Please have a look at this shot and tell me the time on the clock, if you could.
12:58
